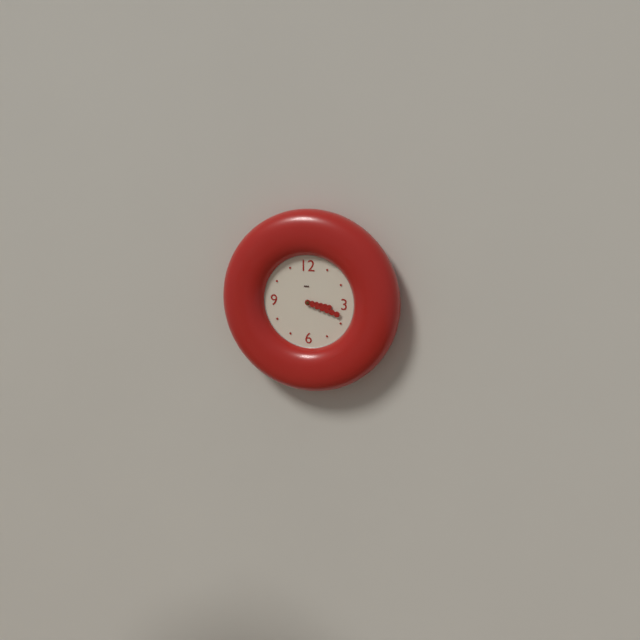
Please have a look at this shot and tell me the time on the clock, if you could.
3:18
